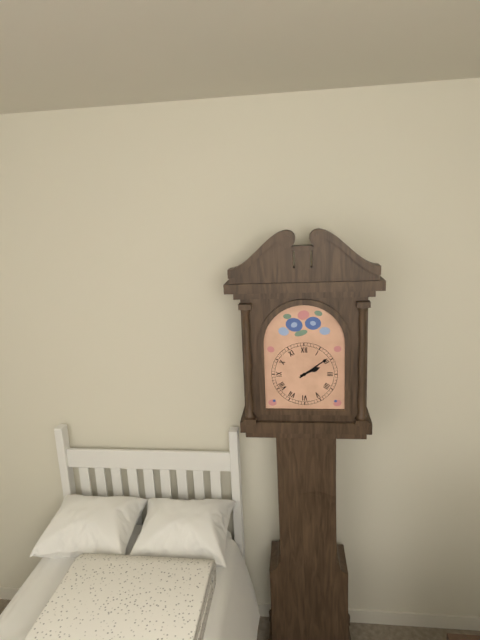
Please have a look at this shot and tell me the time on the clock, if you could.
2:09
